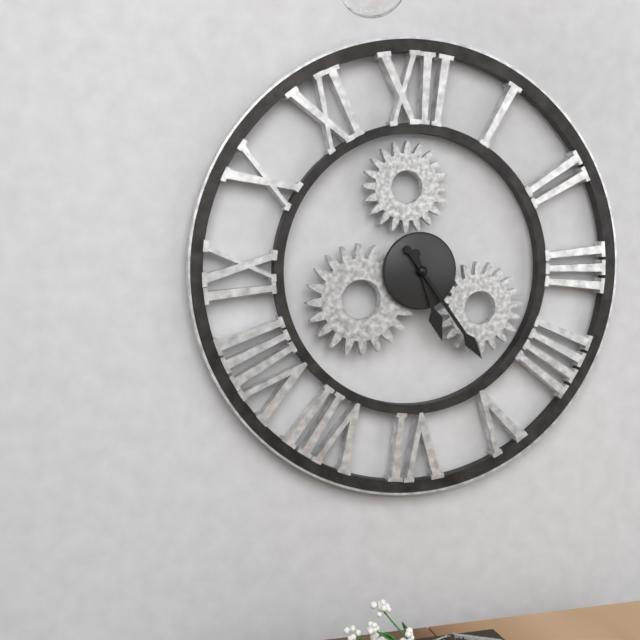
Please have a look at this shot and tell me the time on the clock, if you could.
5:24
